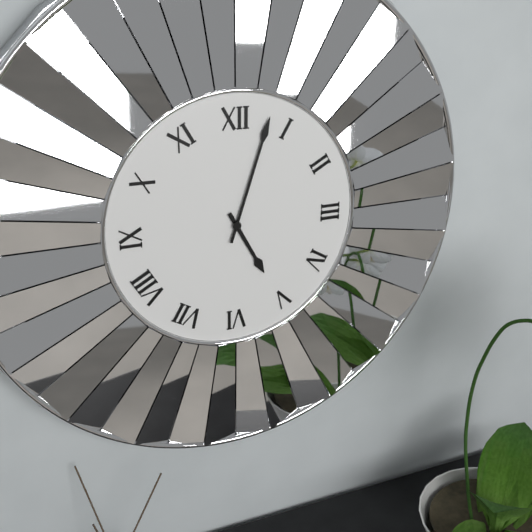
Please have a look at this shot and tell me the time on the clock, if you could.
5:03
